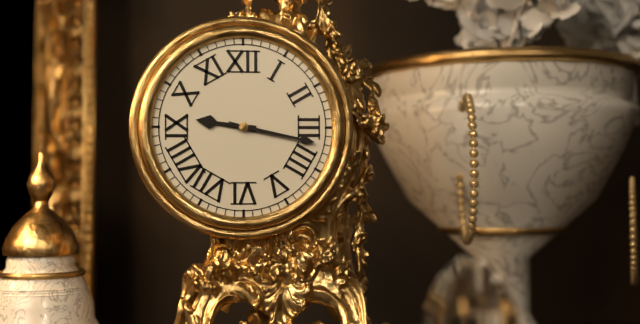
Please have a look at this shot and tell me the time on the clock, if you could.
9:17
